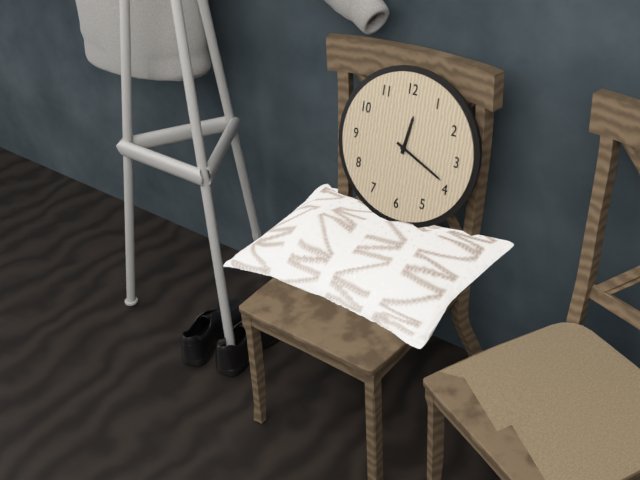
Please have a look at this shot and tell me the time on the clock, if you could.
12:19
